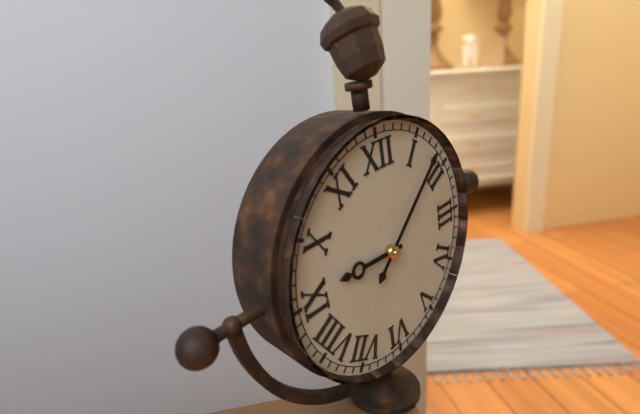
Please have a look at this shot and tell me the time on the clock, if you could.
9:08
